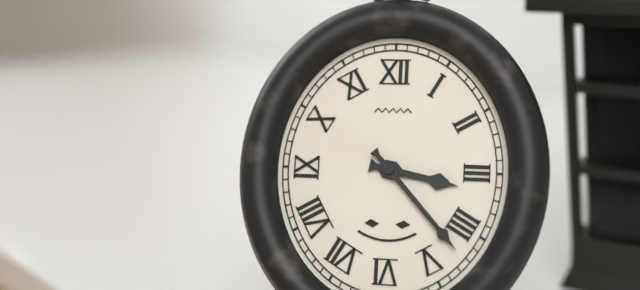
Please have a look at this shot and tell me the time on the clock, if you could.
3:23
